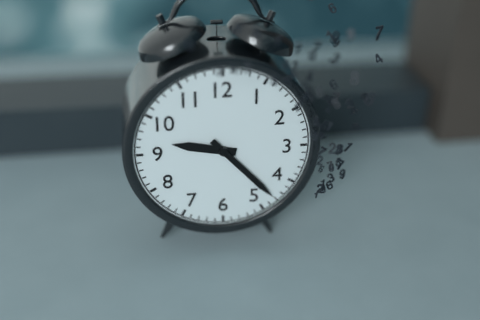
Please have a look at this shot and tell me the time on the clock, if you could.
9:23
